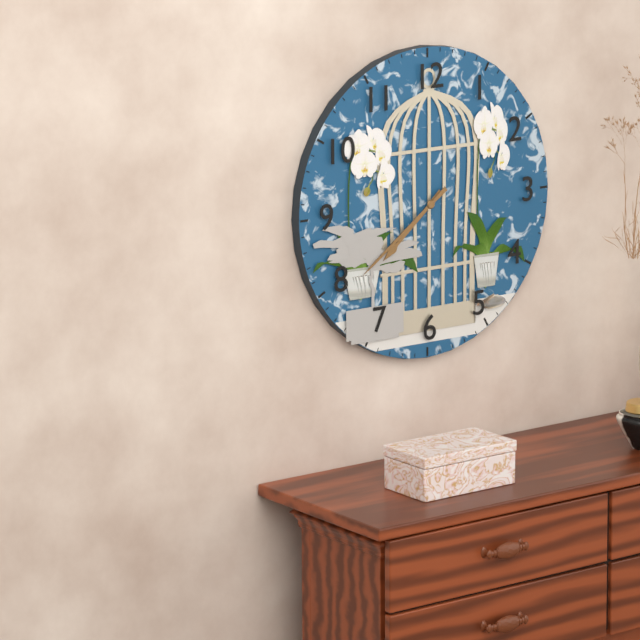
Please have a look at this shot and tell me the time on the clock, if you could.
7:39
